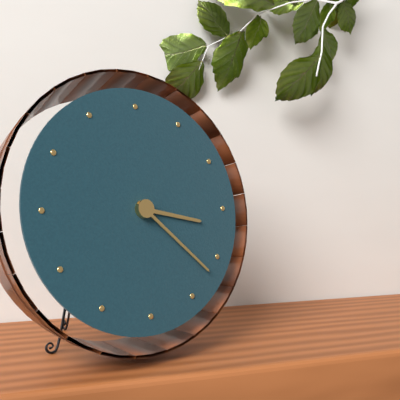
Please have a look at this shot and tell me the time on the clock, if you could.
3:22
